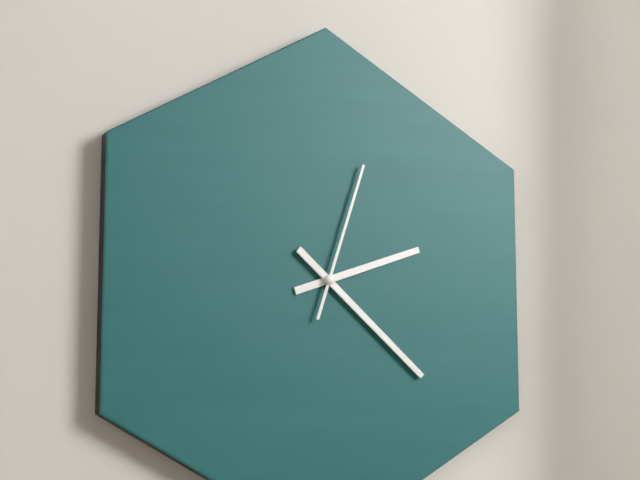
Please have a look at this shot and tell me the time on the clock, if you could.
2:22:03
